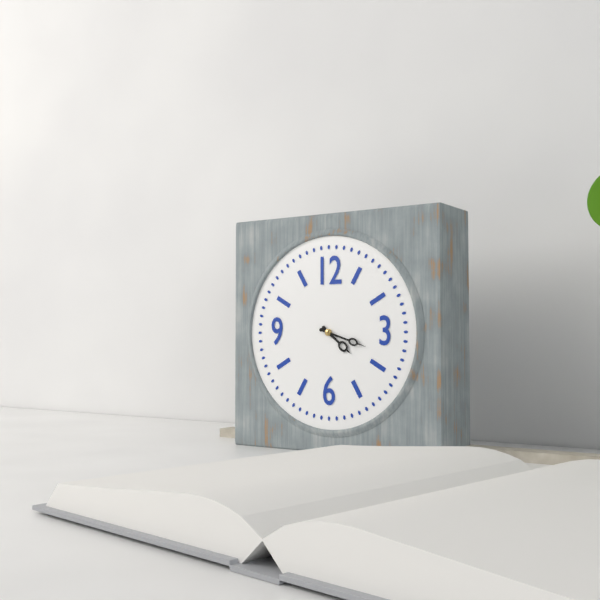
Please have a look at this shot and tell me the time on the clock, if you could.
4:18
